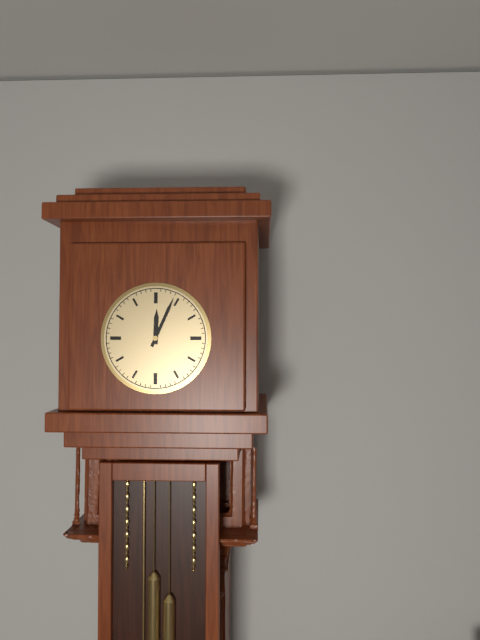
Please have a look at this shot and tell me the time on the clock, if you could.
12:04
